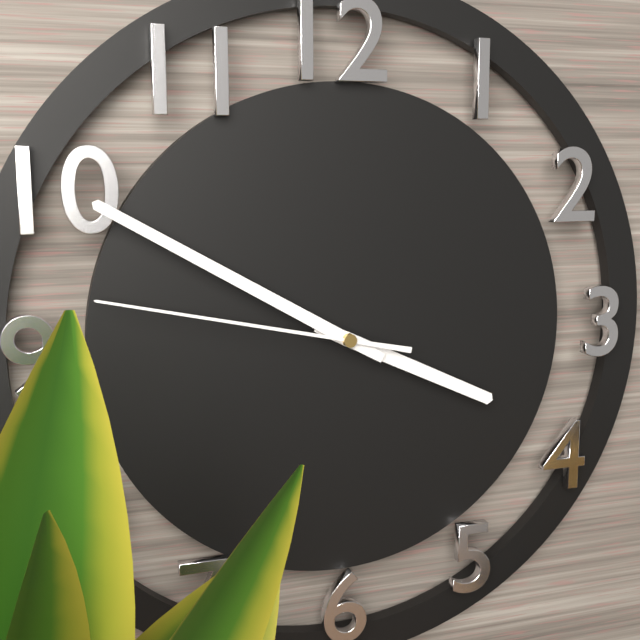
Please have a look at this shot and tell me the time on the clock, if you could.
3:50:47
